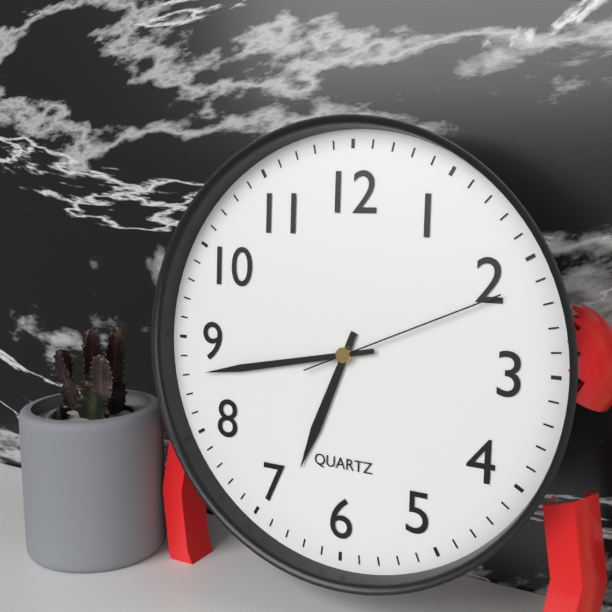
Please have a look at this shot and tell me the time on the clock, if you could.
6:43:11
